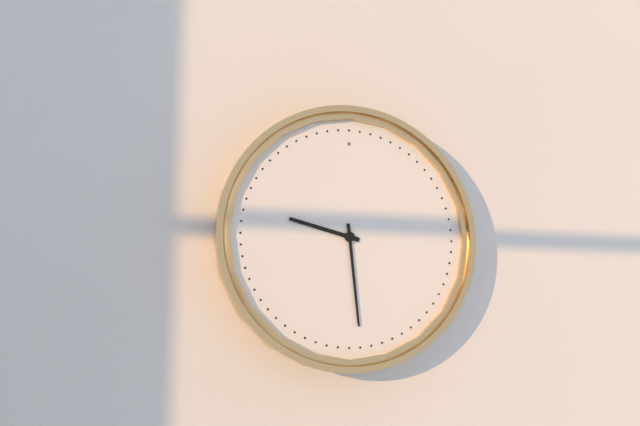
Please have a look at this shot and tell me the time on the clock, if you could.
9:29
